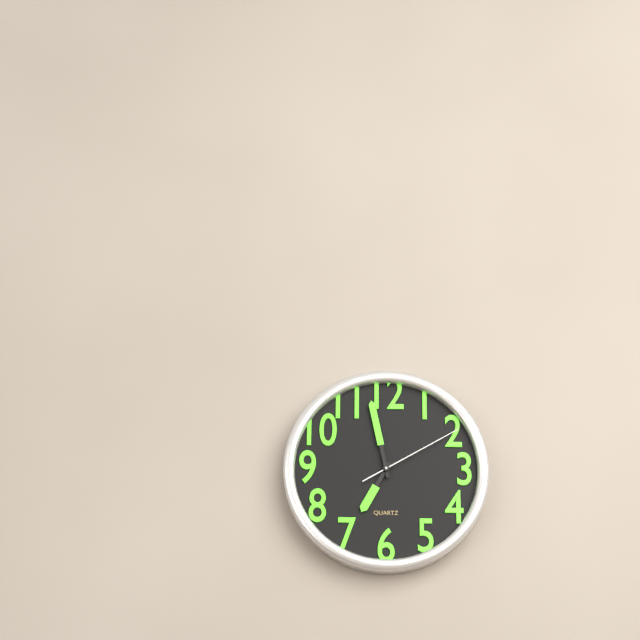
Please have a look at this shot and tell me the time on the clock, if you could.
6:58:10
